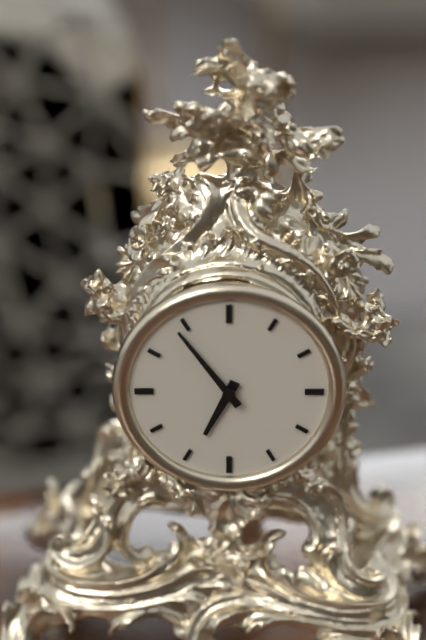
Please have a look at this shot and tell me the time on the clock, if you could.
6:54
